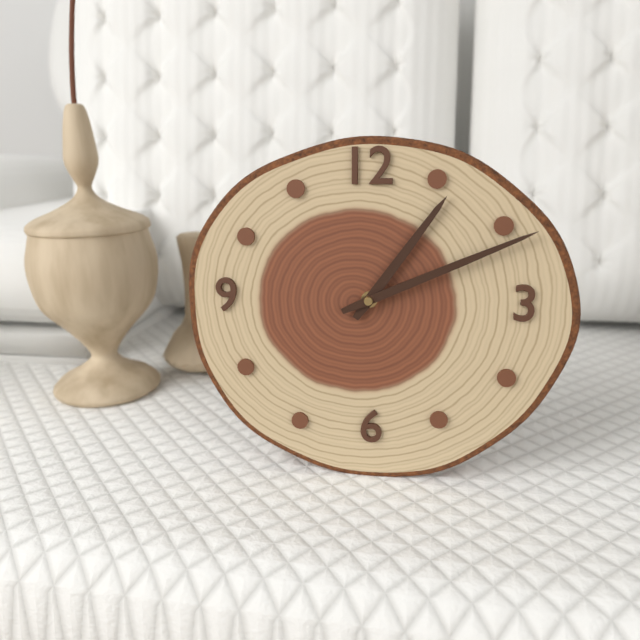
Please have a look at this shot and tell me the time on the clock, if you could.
1:11
